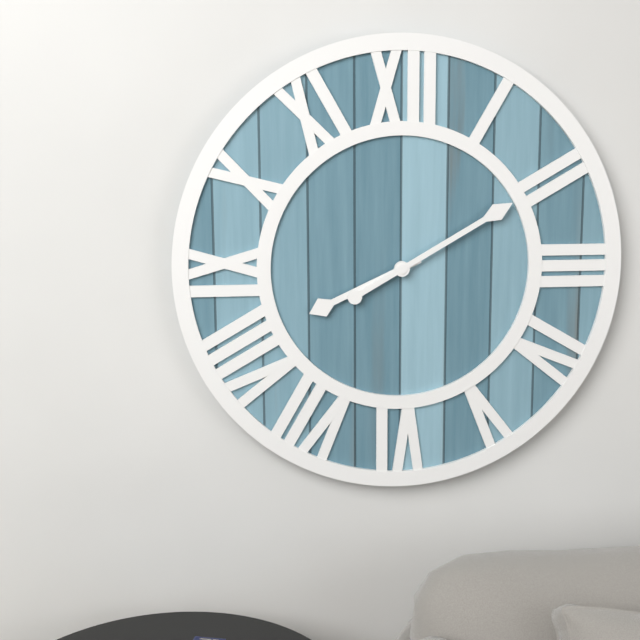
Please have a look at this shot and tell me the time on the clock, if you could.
8:10
